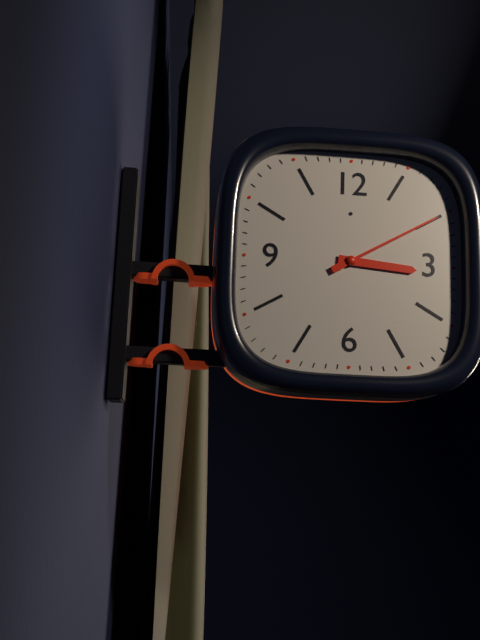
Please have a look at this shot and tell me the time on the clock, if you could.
3:10
